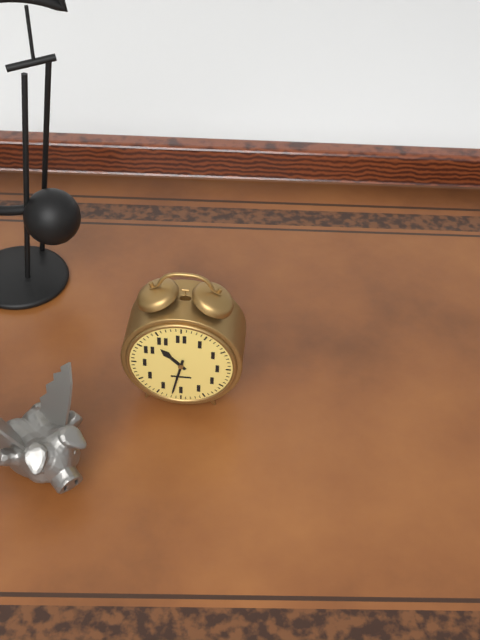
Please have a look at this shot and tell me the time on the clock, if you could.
10:32
